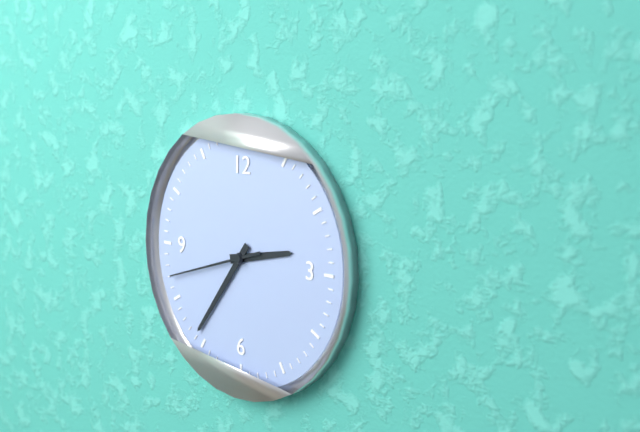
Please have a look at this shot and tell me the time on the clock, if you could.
2:36:42
